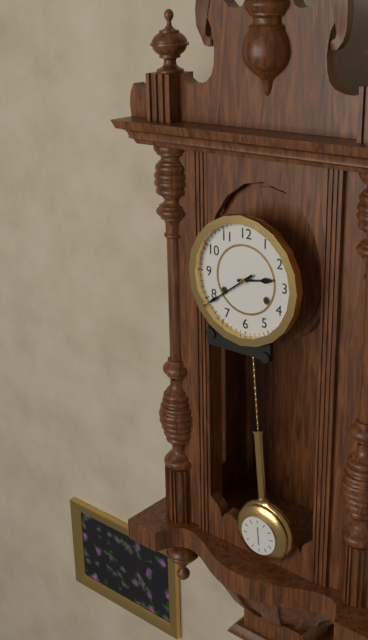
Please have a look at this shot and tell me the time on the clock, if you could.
2:39
